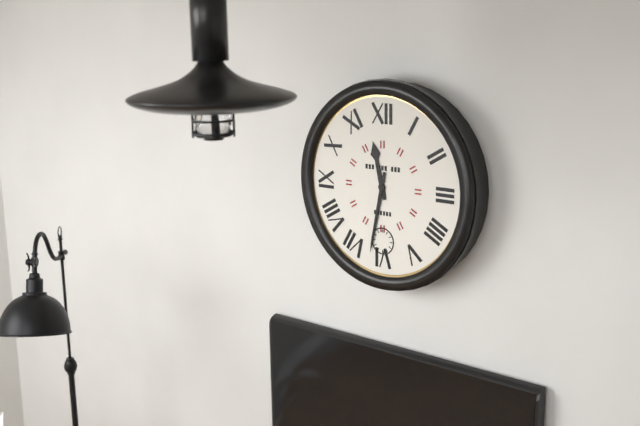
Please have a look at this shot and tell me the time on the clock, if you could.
11:32
